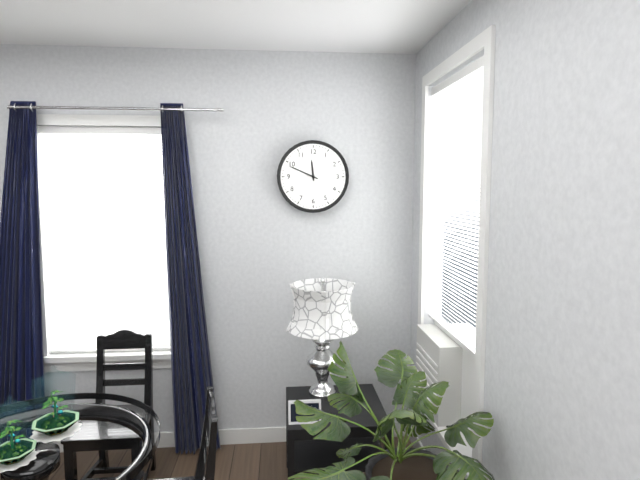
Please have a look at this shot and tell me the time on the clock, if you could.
11:49
